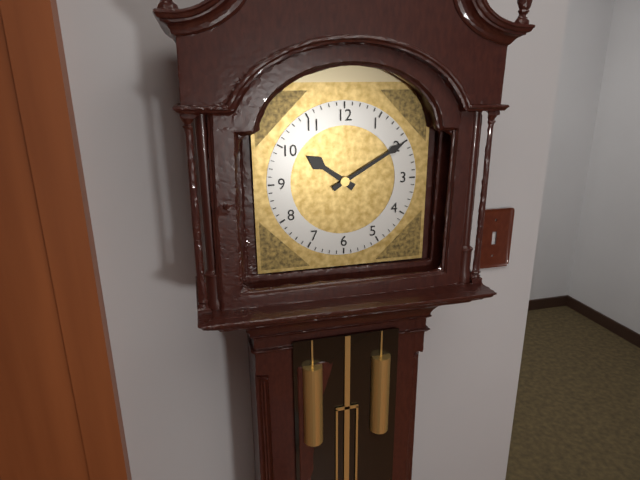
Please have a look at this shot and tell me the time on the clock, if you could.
10:10
